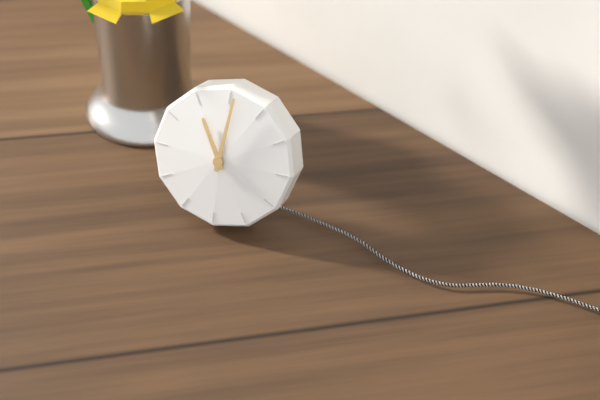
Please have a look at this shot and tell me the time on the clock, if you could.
11:01
